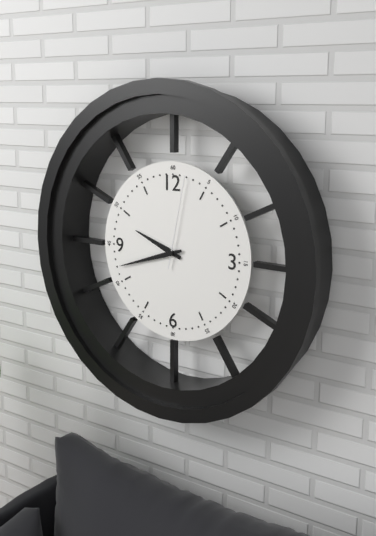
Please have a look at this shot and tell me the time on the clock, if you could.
9:42:02
